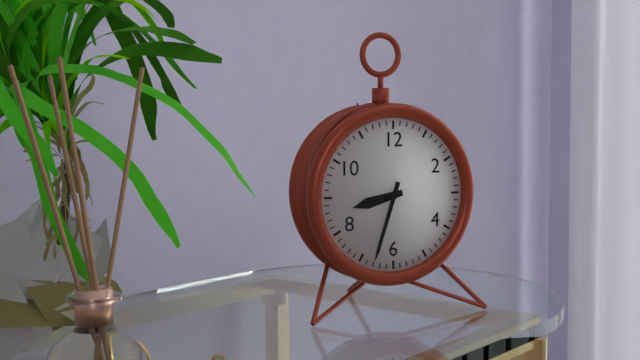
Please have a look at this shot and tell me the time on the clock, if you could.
8:33
